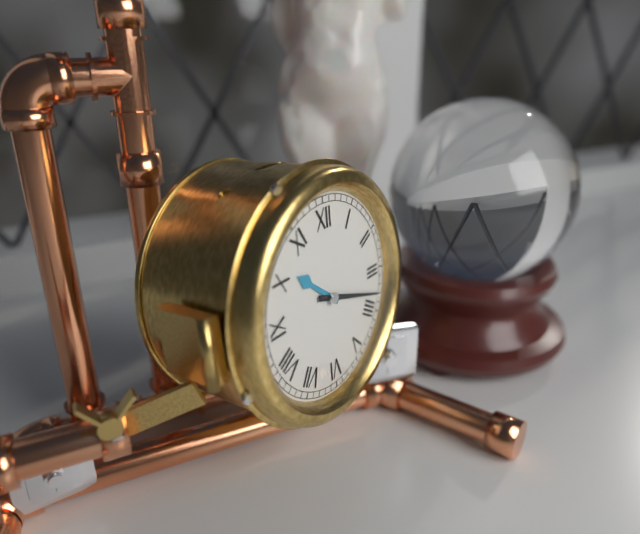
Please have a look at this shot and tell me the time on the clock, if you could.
10:18
